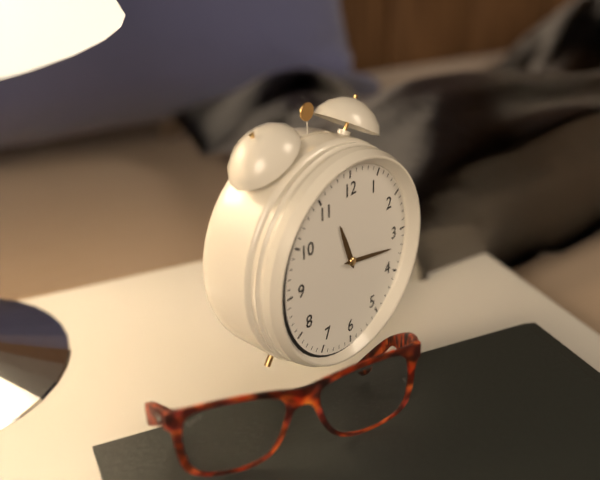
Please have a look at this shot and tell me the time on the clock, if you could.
11:17
